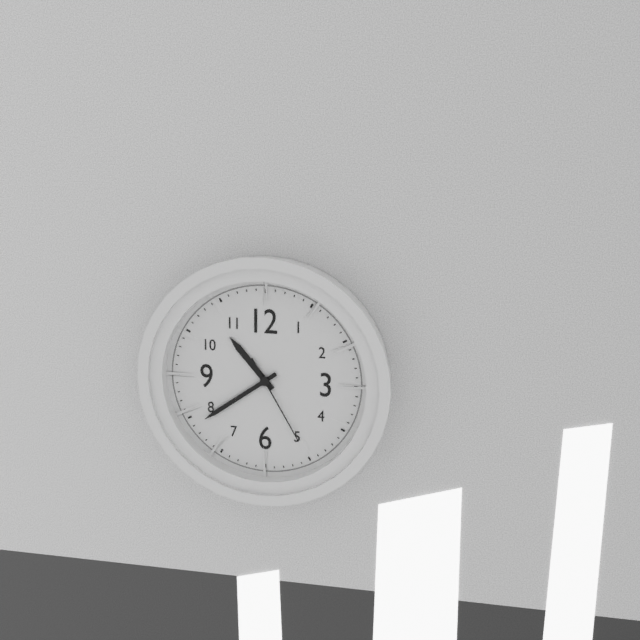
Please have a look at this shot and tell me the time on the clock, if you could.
10:39:25
